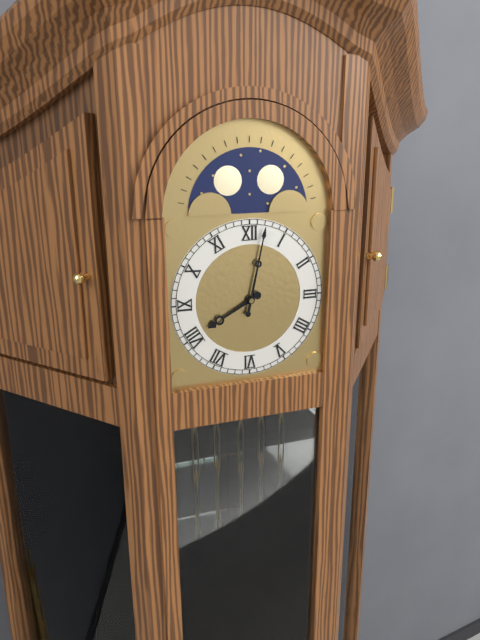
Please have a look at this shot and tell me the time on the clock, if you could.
8:02
